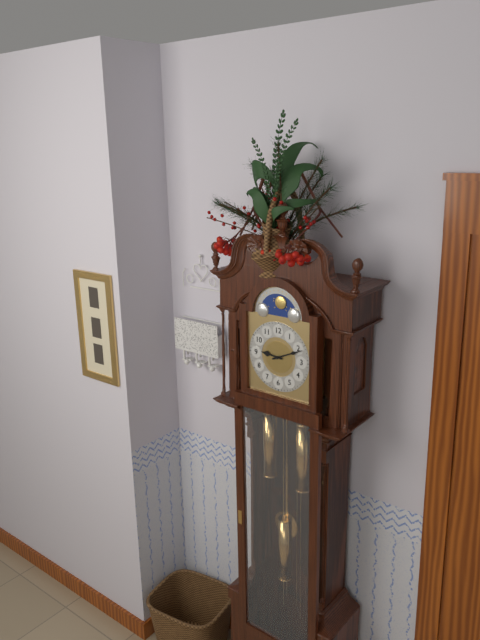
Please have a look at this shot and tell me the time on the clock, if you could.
9:11
